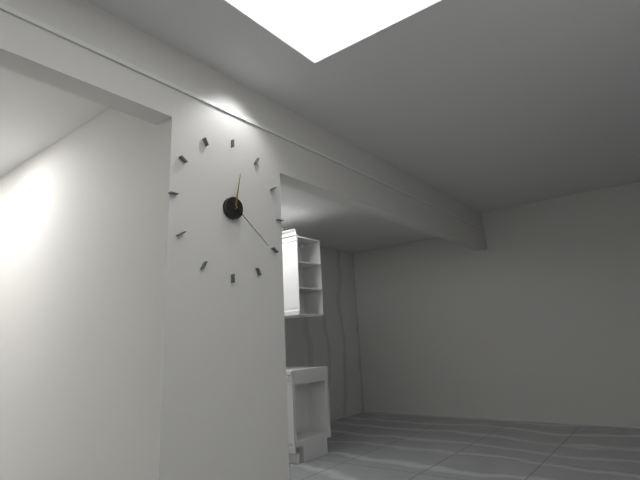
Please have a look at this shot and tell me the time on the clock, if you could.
12:21
